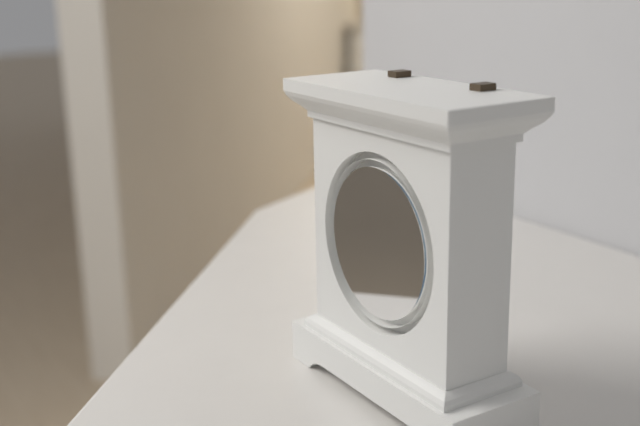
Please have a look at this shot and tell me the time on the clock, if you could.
3:32
